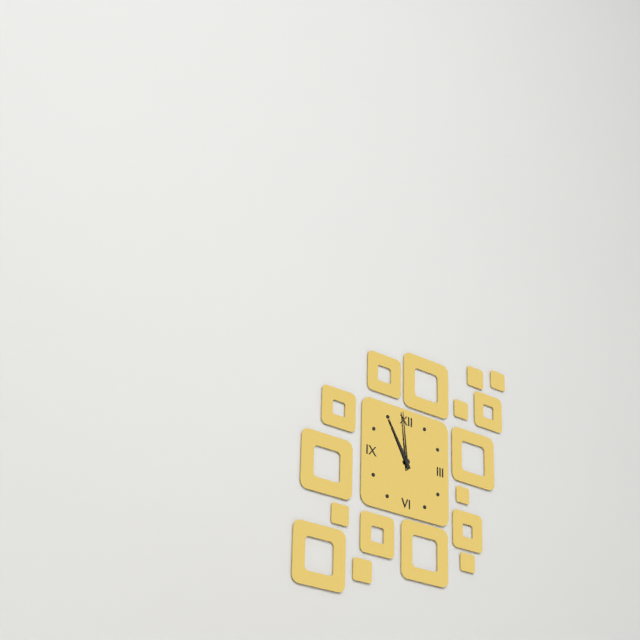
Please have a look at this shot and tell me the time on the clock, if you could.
10:59
